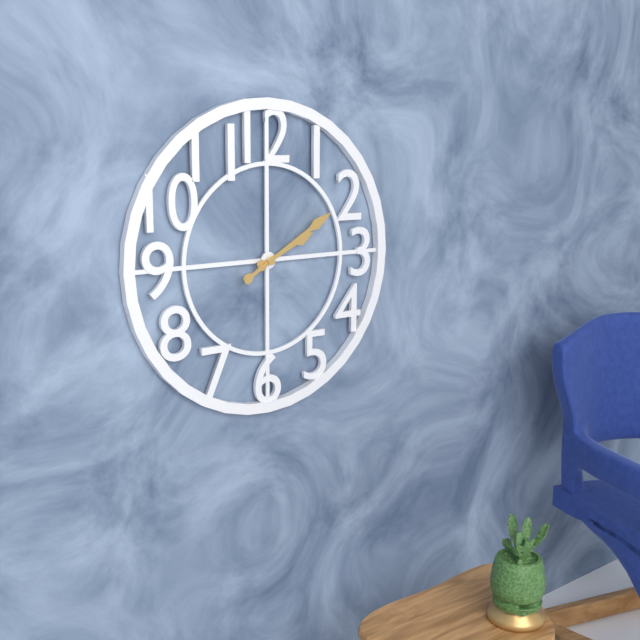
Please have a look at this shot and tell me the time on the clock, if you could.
2:10
